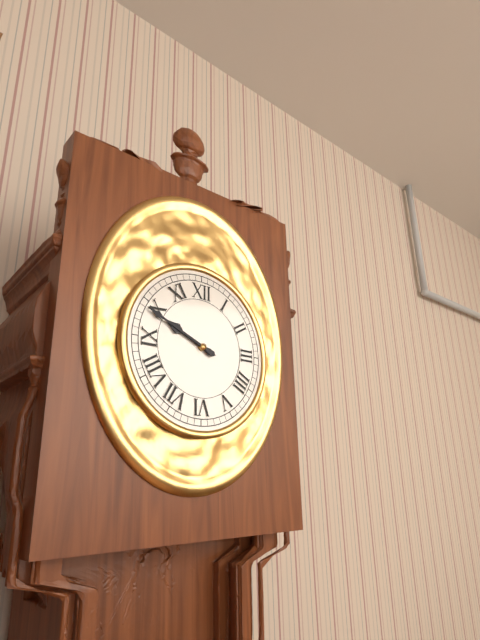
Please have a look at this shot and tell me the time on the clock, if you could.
9:49
